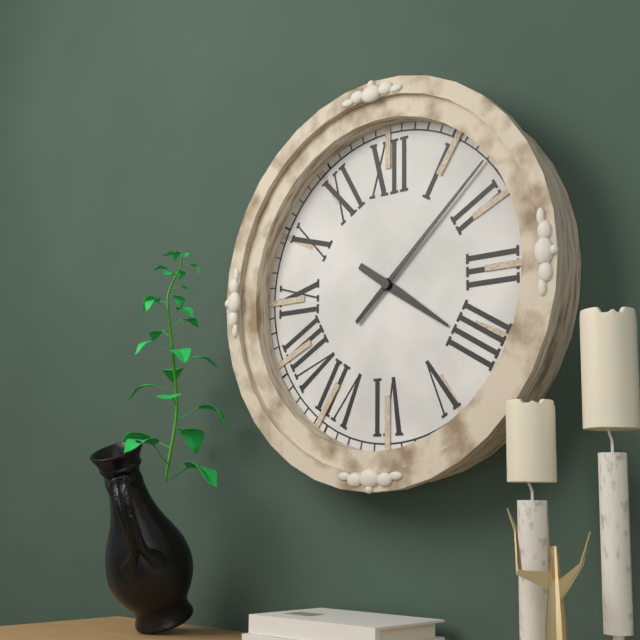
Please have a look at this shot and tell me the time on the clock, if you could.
4:08
